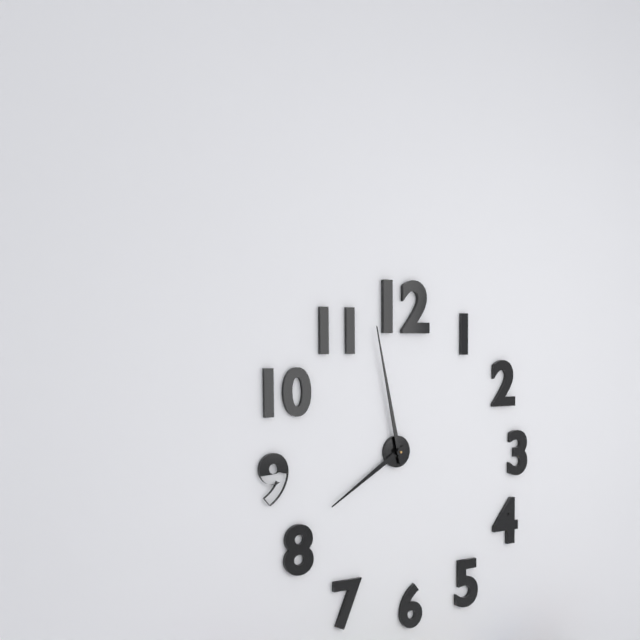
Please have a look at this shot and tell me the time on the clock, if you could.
7:58
